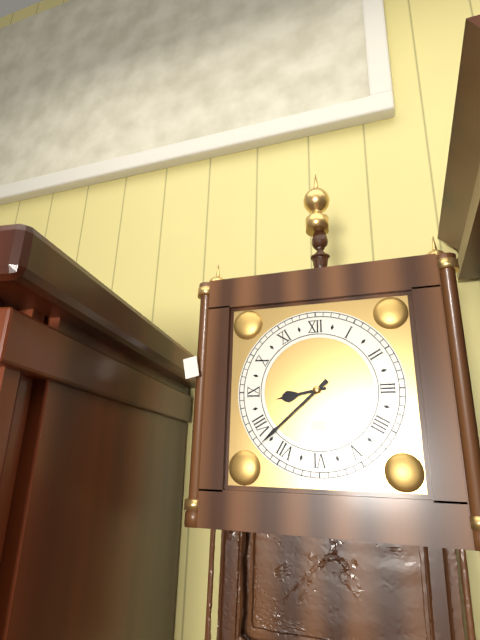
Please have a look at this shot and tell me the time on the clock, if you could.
8:38
